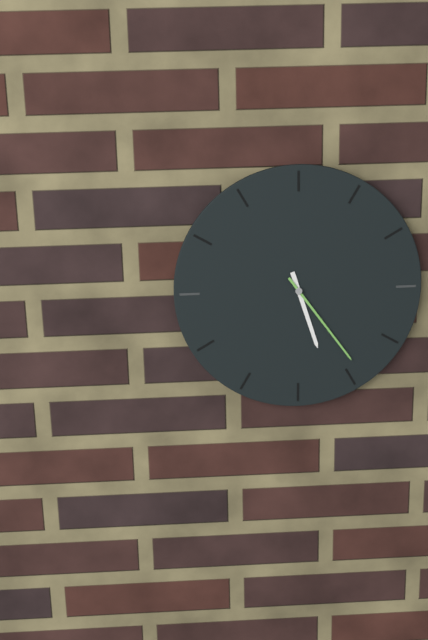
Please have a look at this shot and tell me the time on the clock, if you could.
5:24
